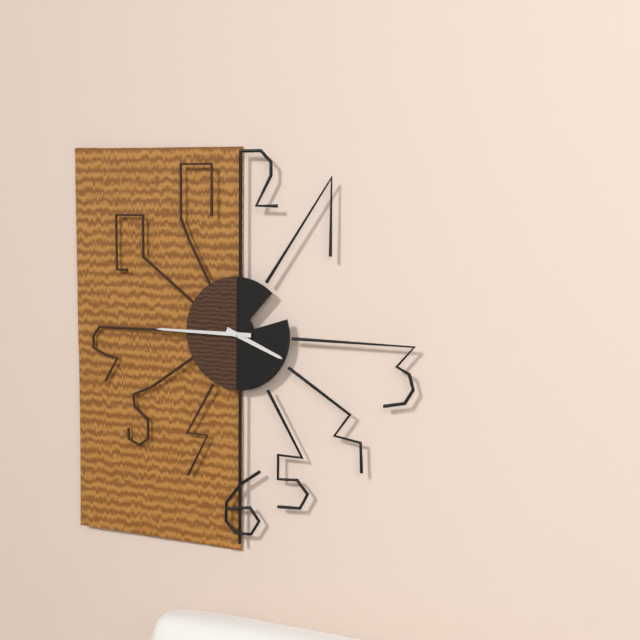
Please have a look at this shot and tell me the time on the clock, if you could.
3:45
